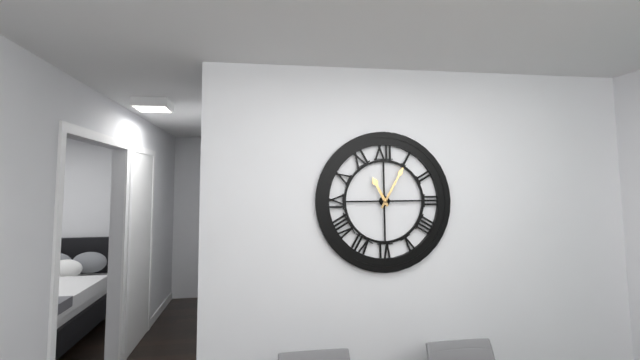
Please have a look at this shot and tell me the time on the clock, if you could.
11:05
